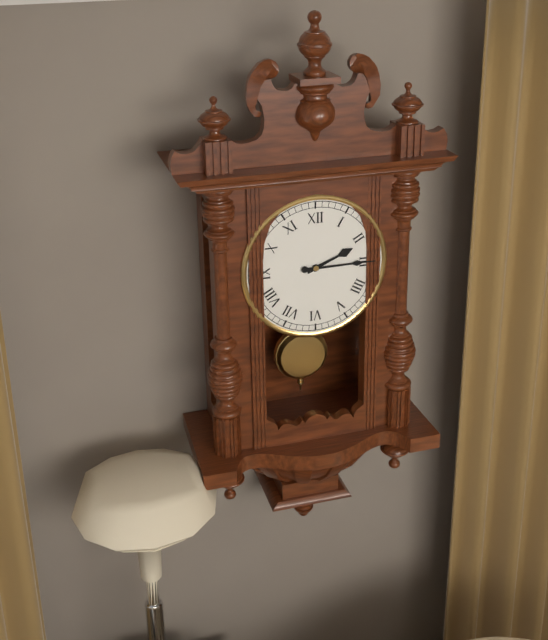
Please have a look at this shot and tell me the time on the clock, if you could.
2:15
